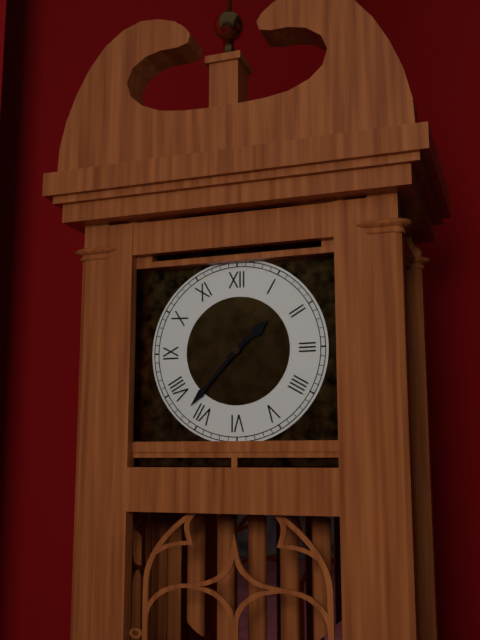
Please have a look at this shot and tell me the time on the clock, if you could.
1:37
